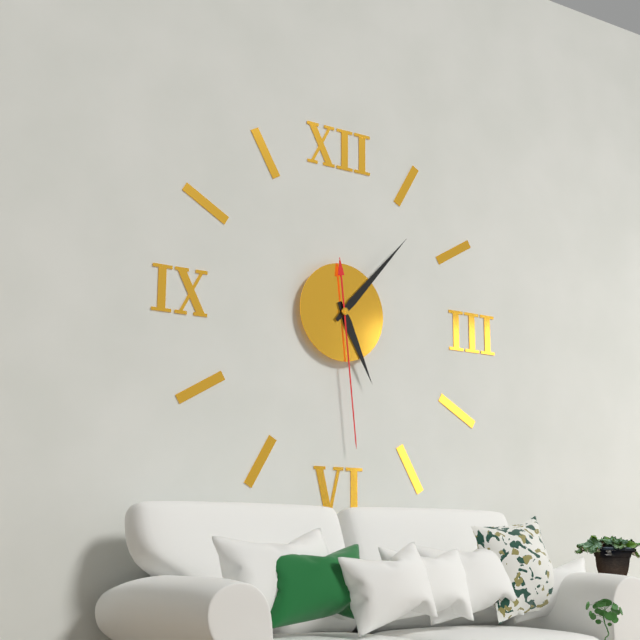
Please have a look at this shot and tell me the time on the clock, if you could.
5:07:29
